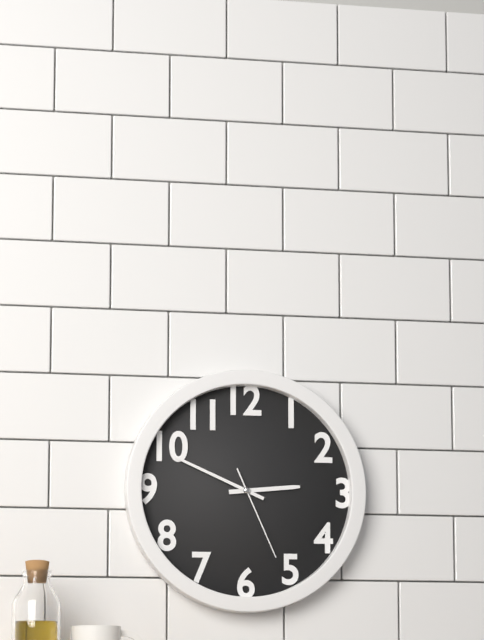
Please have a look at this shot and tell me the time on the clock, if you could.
2:49:26
